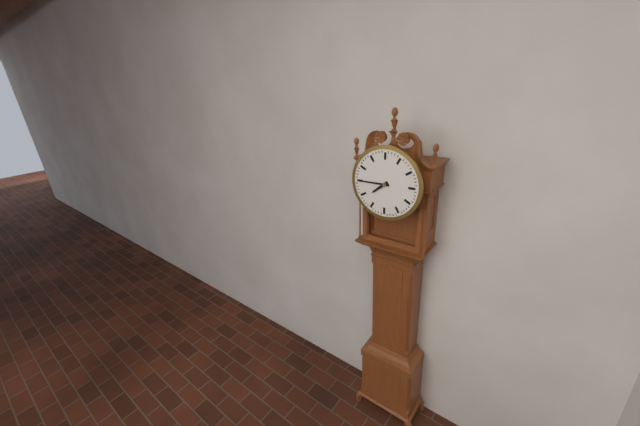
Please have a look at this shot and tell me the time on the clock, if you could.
7:45
